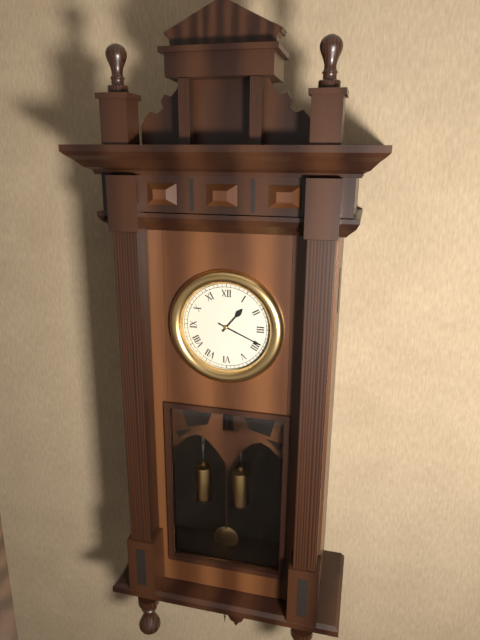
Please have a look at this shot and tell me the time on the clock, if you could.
1:19
